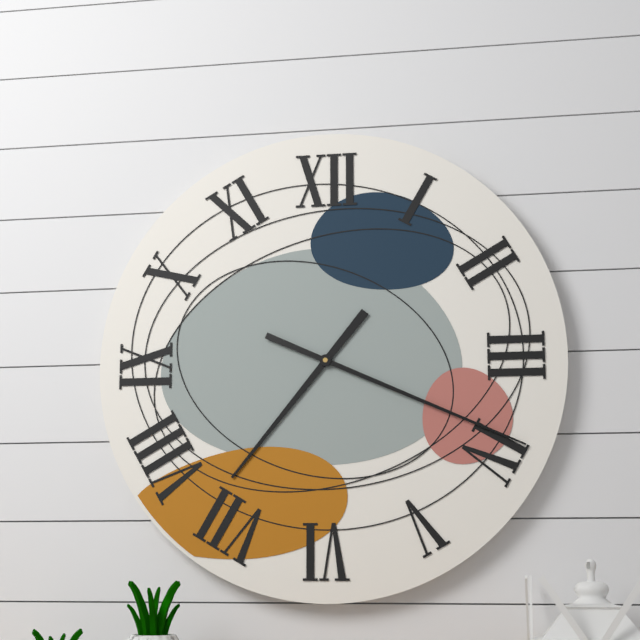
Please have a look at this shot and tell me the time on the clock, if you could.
7:19
